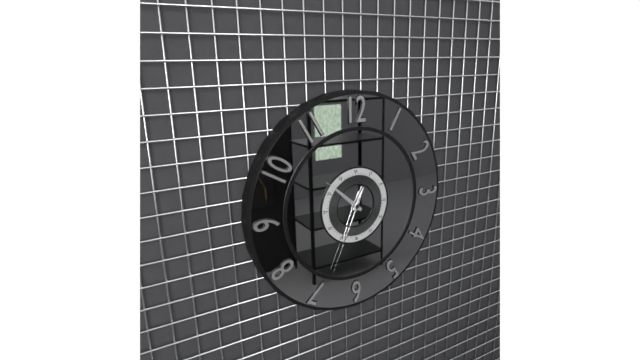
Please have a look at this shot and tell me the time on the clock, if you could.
12:52:34
